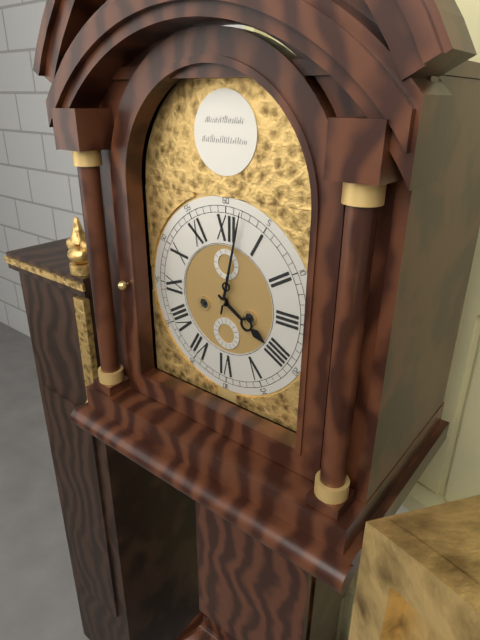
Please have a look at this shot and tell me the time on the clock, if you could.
4:02
